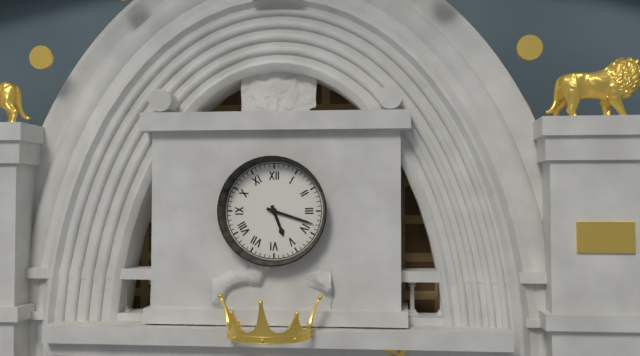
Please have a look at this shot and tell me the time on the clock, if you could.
5:18
